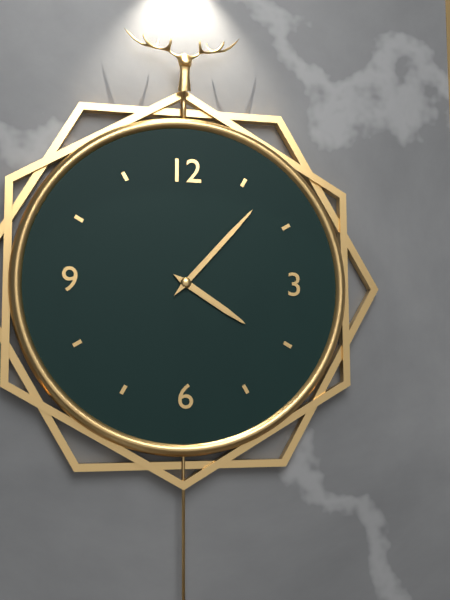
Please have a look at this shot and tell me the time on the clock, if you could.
4:07
